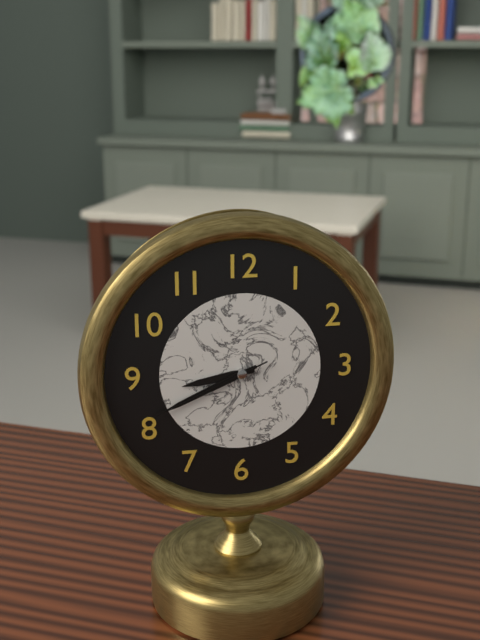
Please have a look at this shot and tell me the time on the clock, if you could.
8:41:41
